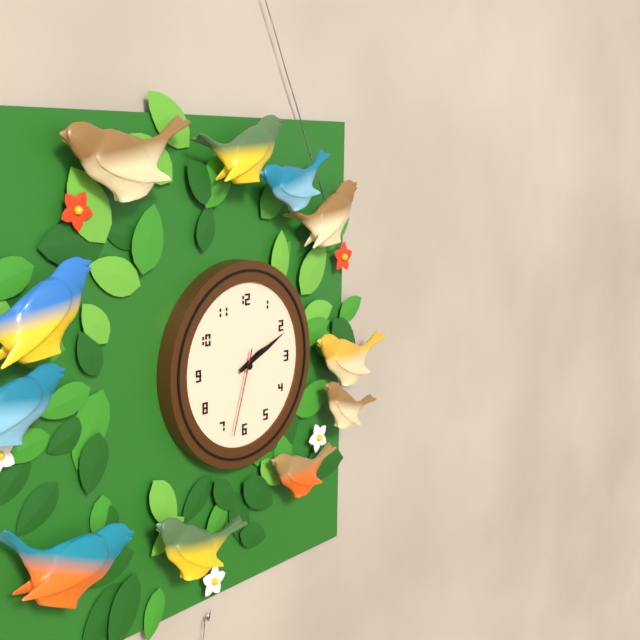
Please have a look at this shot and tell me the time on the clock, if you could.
2:11:33
